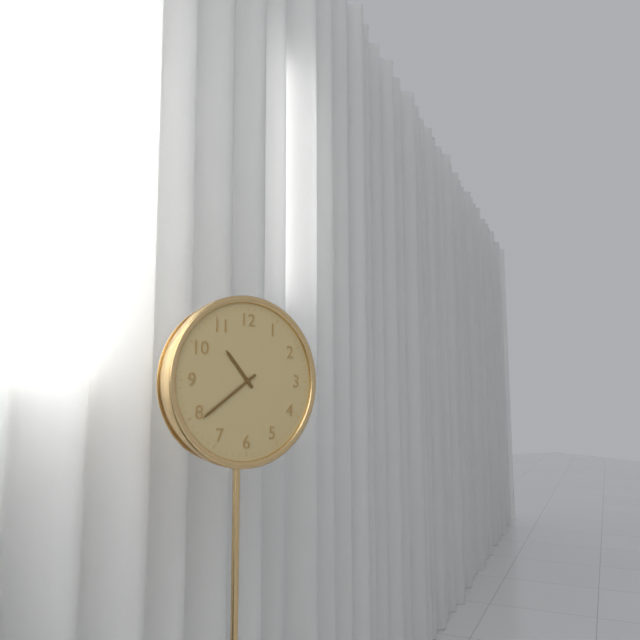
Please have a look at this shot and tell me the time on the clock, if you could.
10:39
